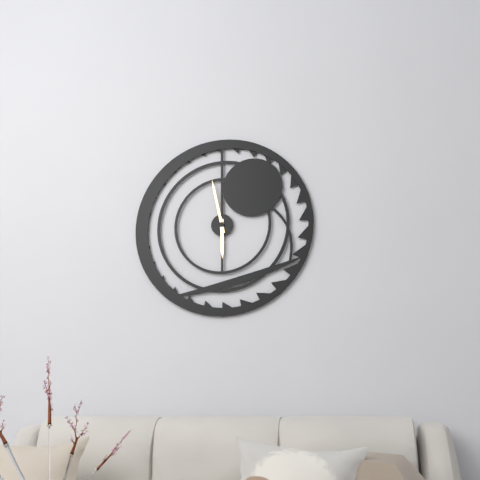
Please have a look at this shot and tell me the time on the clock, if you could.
5:58
